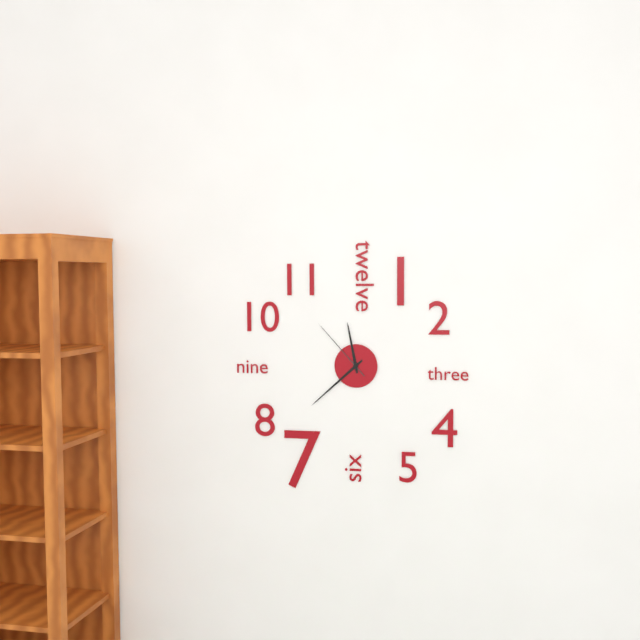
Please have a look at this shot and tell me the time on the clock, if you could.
11:38:53
